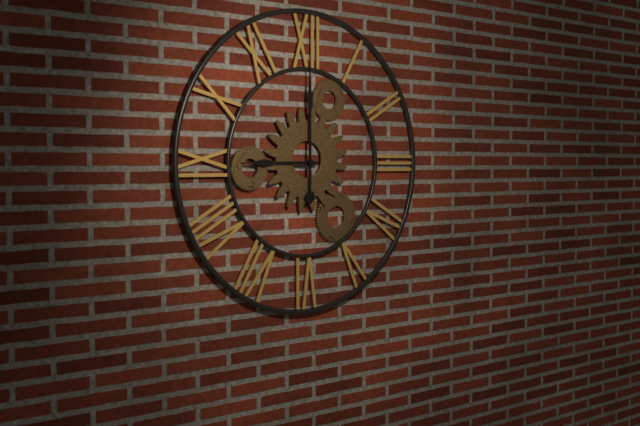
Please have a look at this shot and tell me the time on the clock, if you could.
9:00
